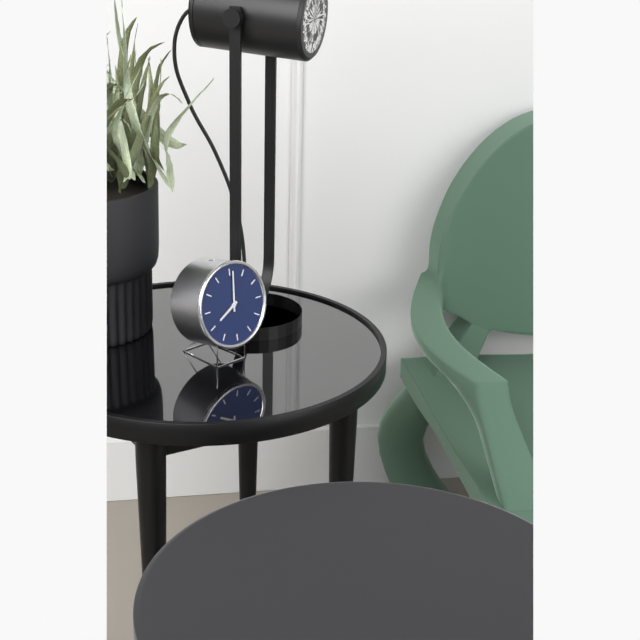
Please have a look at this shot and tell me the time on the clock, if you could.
8:01
